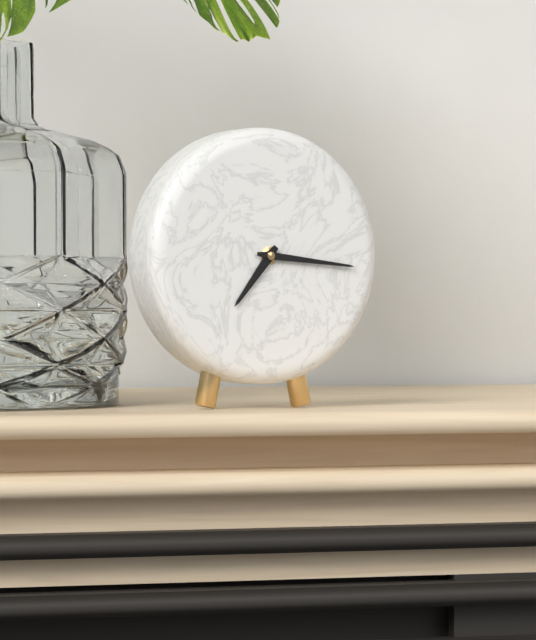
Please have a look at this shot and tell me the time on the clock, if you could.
7:16
